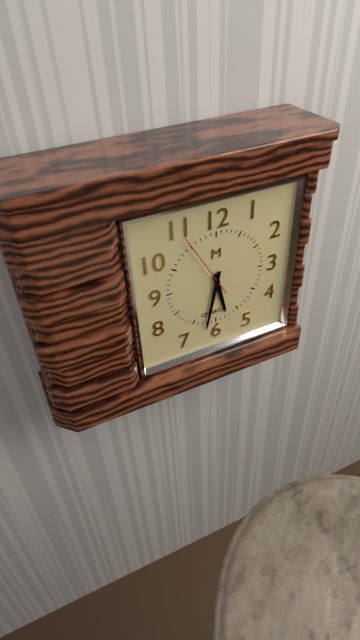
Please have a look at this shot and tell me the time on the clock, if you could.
5:32:55
